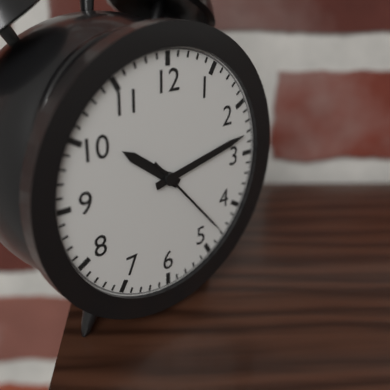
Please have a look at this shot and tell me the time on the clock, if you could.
10:13:23
